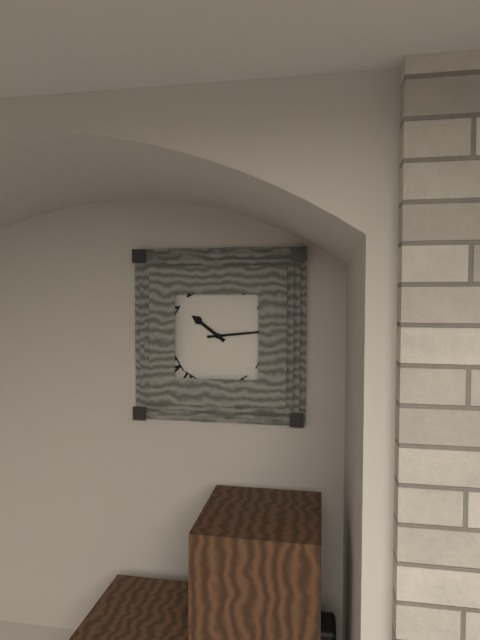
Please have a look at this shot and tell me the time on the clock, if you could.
10:14
